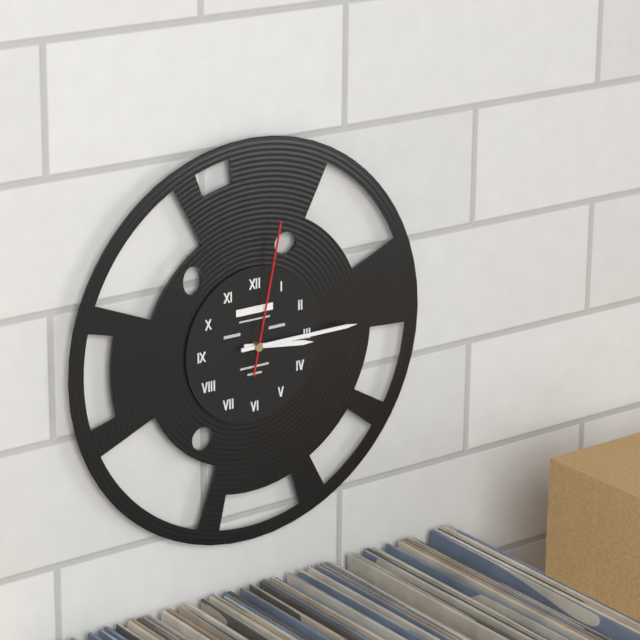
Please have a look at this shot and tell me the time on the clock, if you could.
3:15:02
